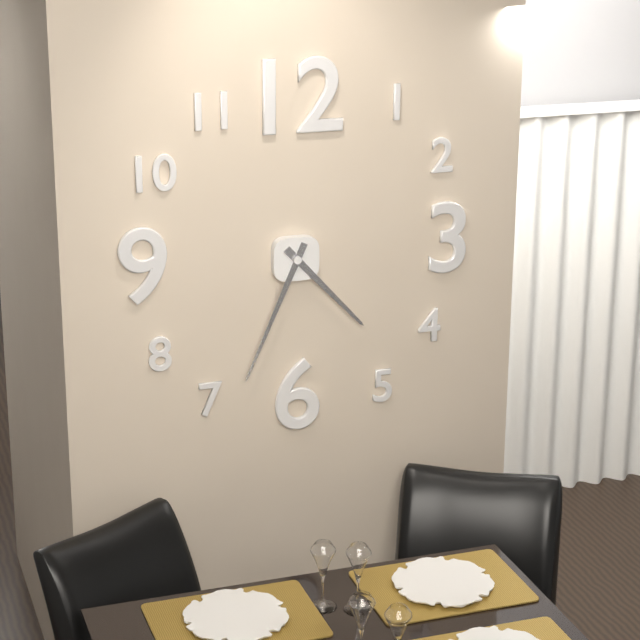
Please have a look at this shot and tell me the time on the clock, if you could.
4:34
